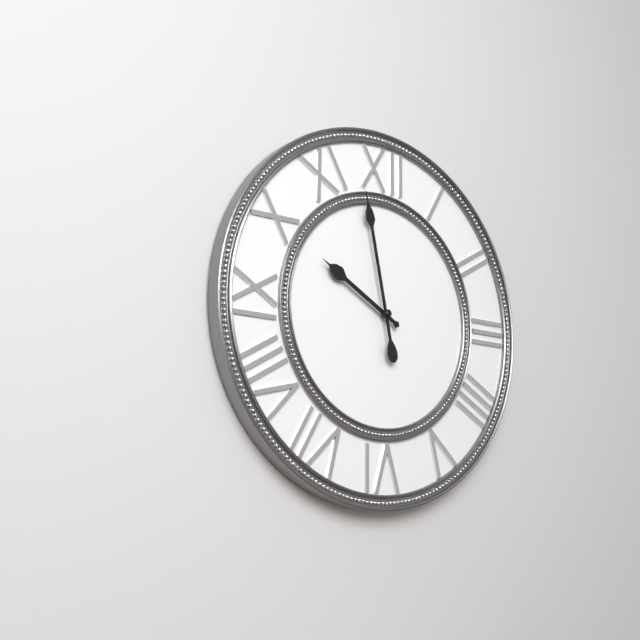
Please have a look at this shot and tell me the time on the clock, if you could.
9:58
